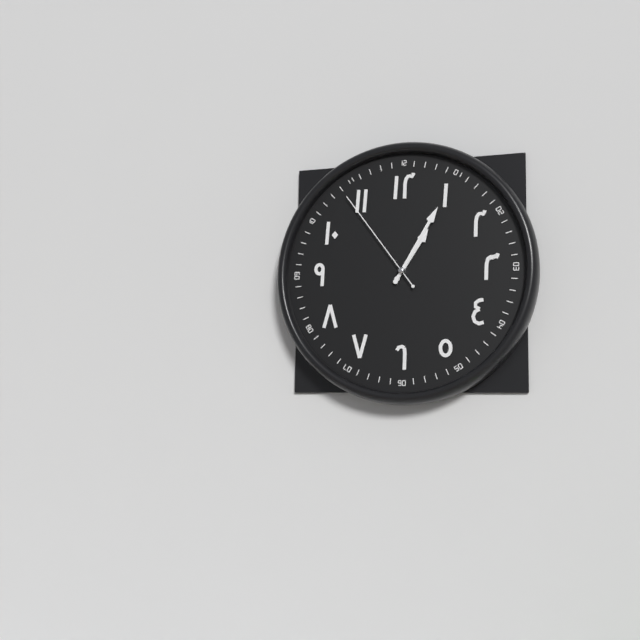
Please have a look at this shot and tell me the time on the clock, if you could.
1:05:54
